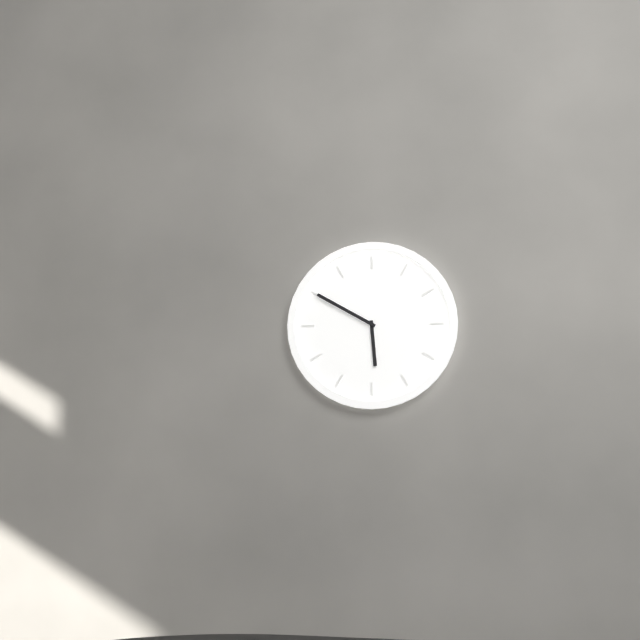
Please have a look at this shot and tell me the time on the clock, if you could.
5:50
